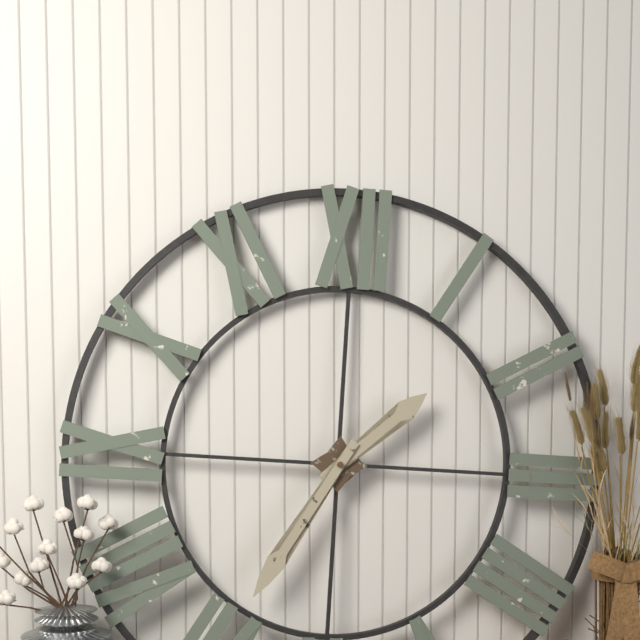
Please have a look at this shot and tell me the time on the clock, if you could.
1:35
